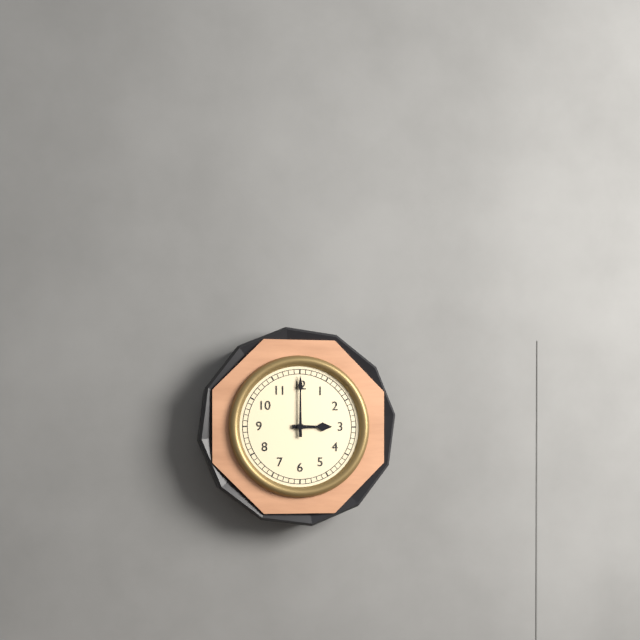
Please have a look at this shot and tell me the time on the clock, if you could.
3:00
